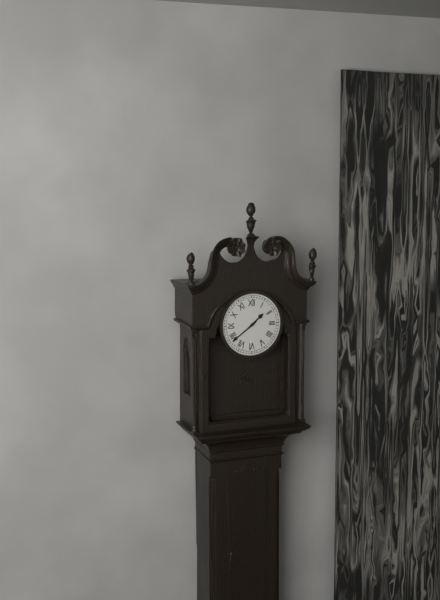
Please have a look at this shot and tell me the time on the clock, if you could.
1:39
